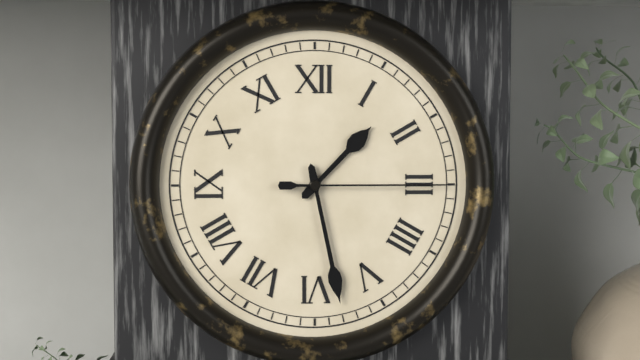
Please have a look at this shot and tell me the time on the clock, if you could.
1:28:15
